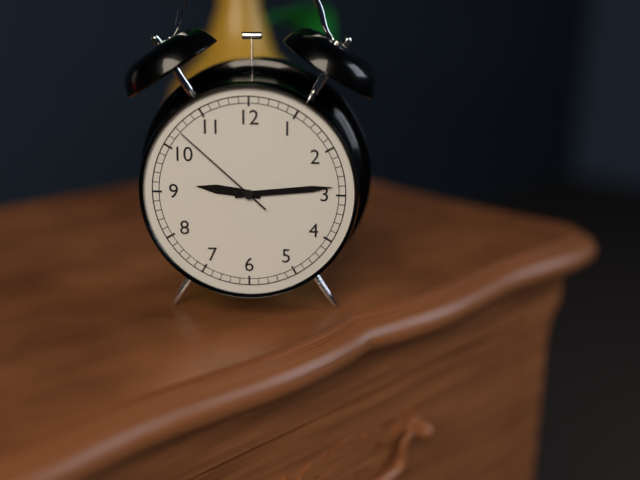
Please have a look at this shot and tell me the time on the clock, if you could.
9:14:52
